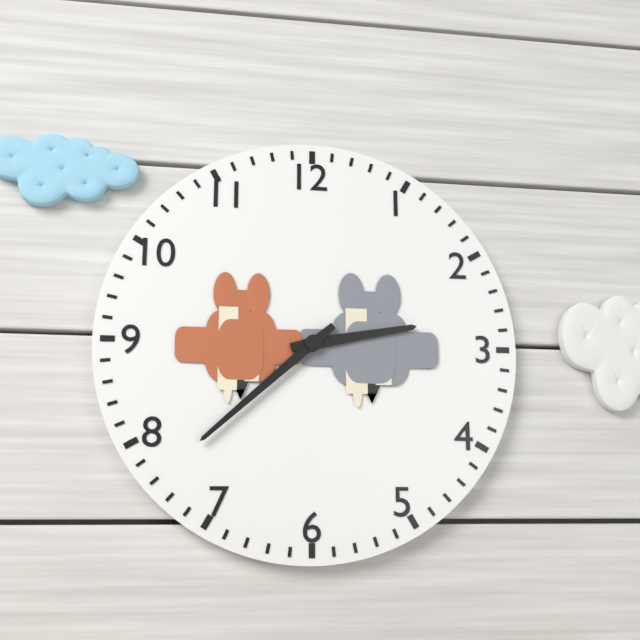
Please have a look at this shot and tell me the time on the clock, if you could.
2:38
